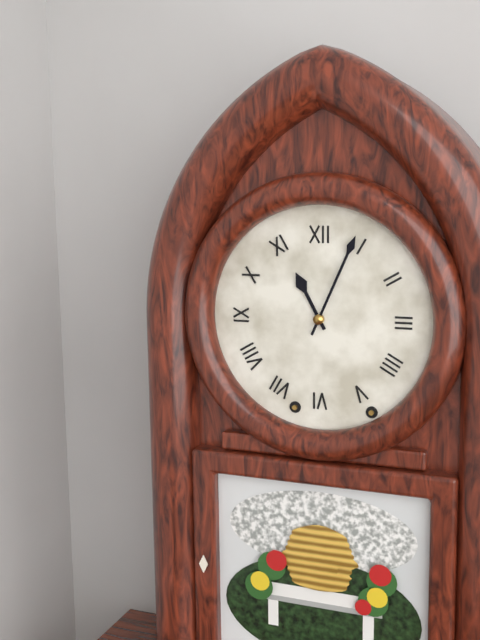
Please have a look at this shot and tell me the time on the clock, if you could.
11:04
